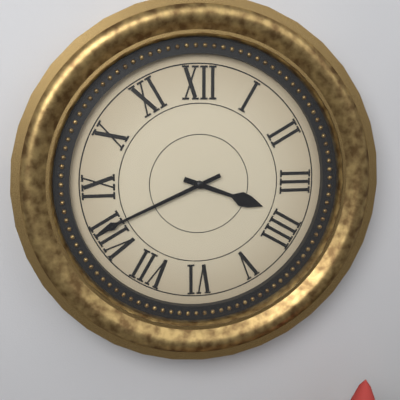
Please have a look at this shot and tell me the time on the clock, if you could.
3:41
